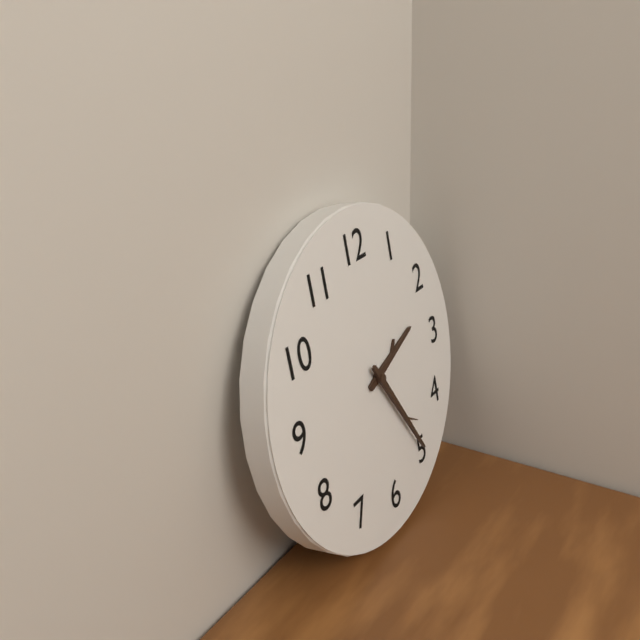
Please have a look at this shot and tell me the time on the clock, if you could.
2:25
